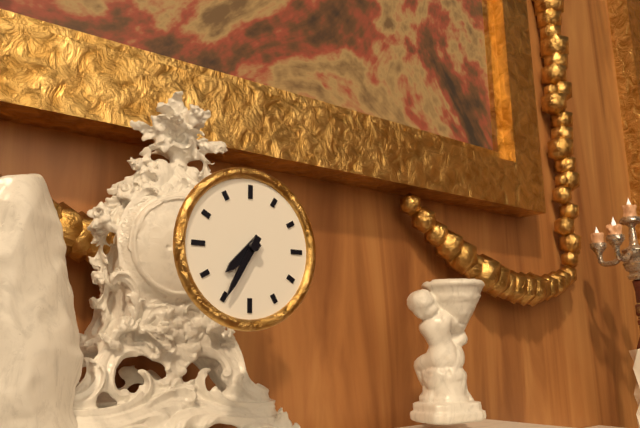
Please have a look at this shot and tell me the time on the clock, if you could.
7:35
